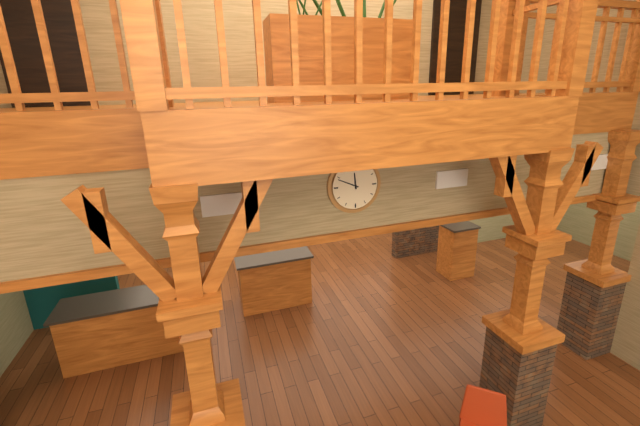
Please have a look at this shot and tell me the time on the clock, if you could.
11:49
